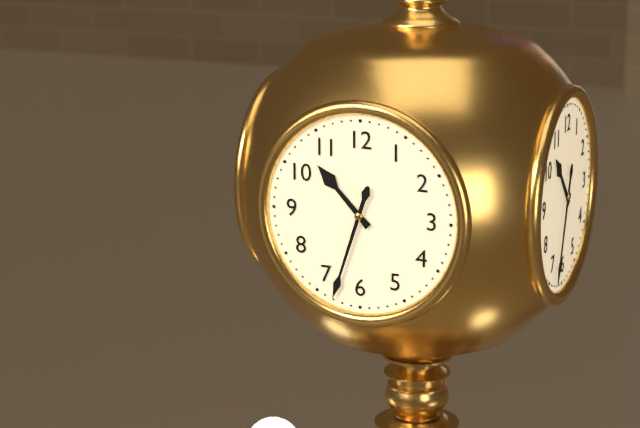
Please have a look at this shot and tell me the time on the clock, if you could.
10:33
